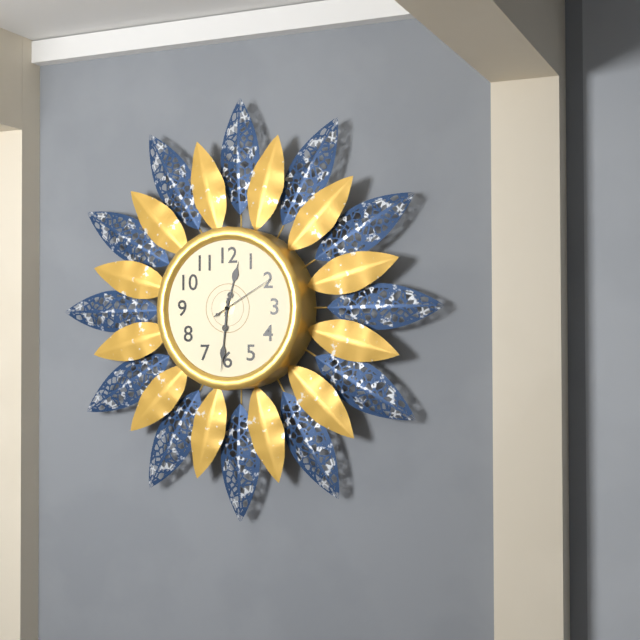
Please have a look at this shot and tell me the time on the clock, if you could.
12:31:10
